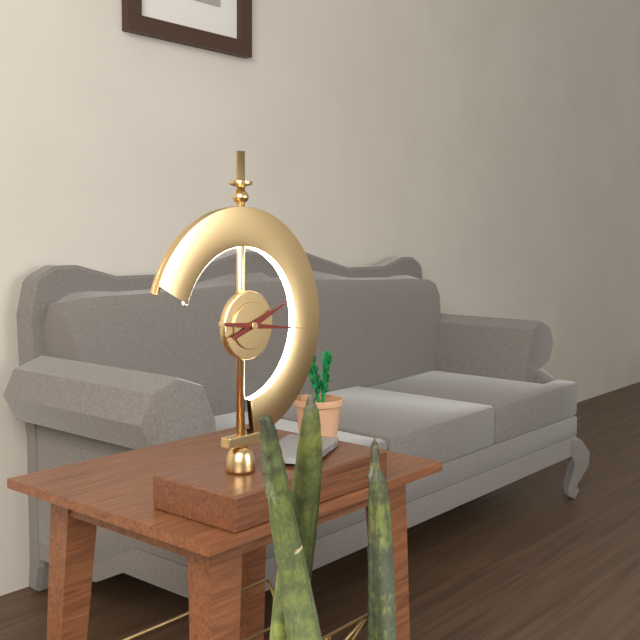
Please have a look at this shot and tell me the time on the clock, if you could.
2:16
